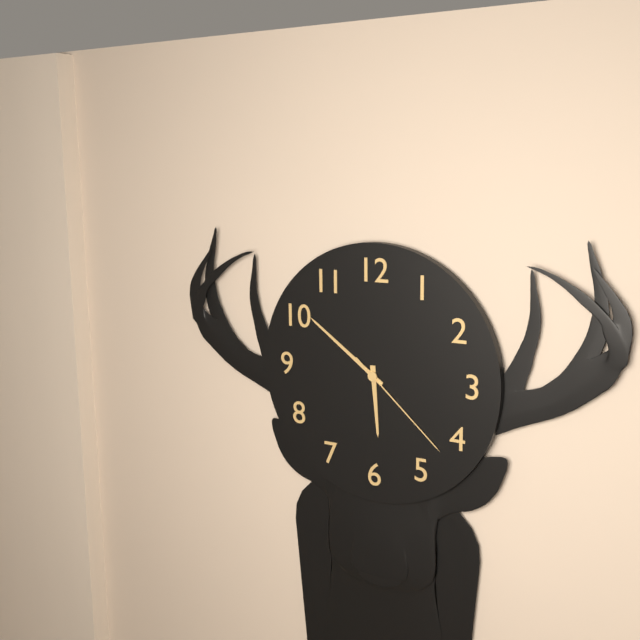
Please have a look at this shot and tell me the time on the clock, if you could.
5:51:22
